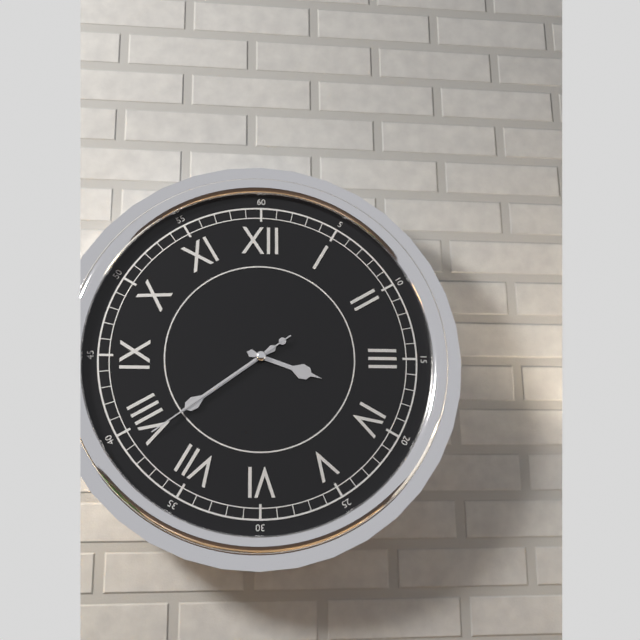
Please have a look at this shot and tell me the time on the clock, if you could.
3:39:39
